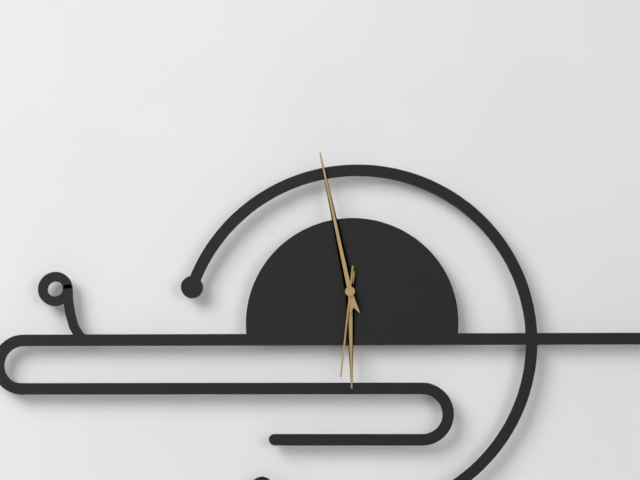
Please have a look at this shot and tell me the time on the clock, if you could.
5:58:31
